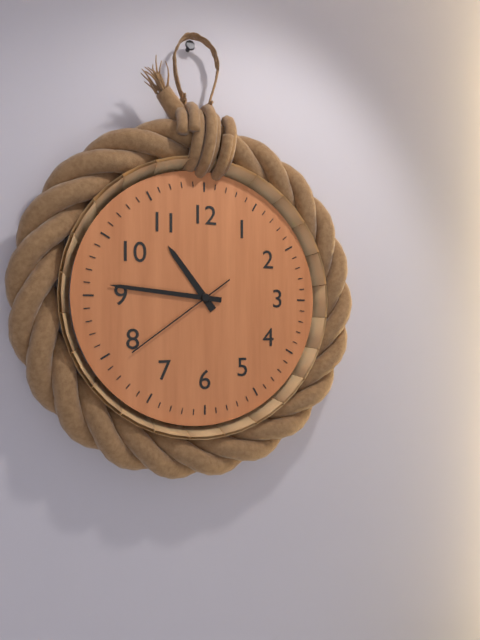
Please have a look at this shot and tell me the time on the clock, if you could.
10:46:39
